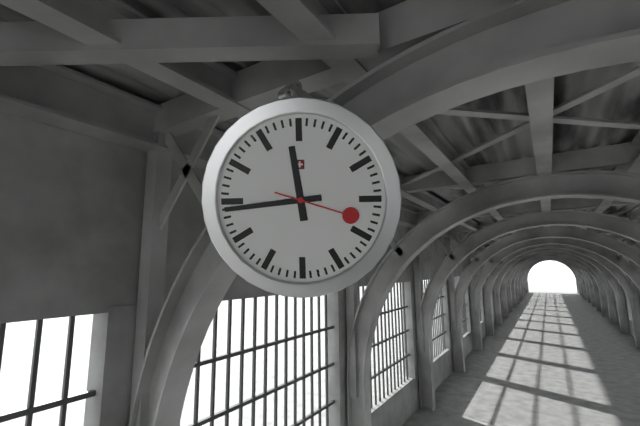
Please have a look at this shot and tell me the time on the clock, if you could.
11:44:18
